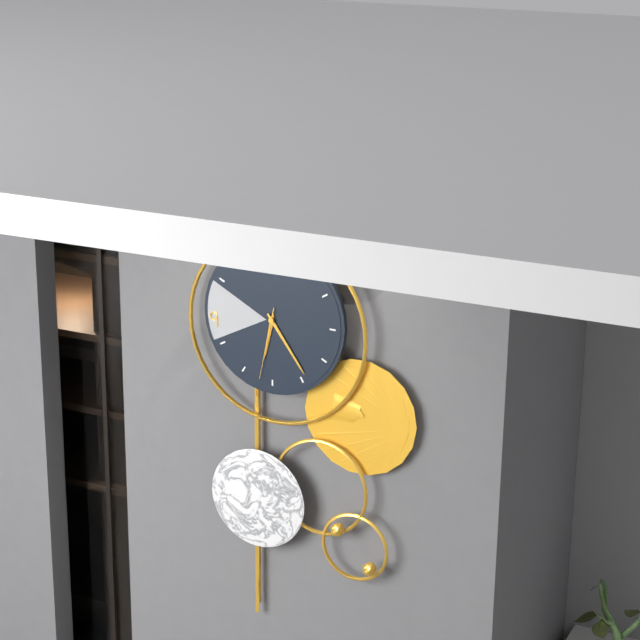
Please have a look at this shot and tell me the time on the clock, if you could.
6:24:32
